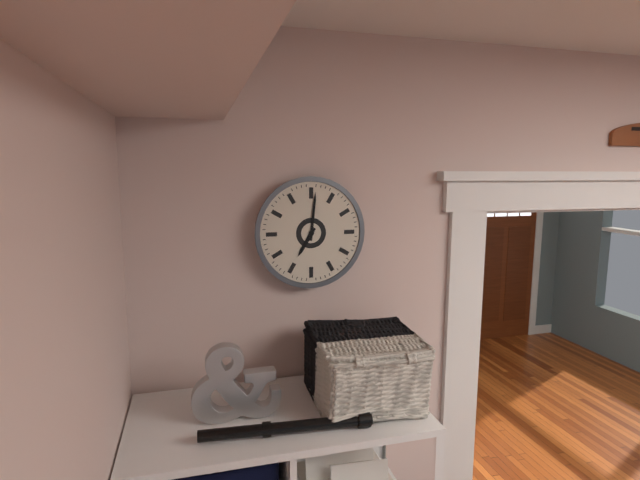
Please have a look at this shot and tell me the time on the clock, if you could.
7:01
